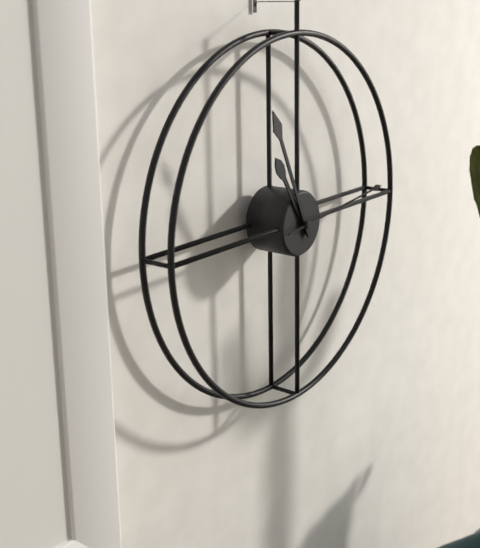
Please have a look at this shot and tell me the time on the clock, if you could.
10:56:14
